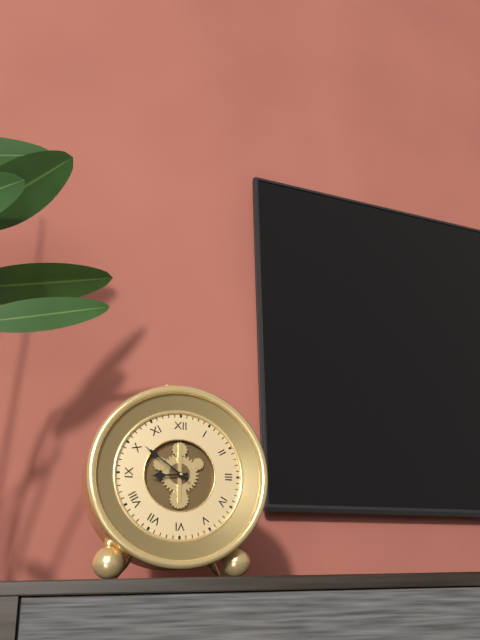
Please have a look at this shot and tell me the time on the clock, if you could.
8:51
